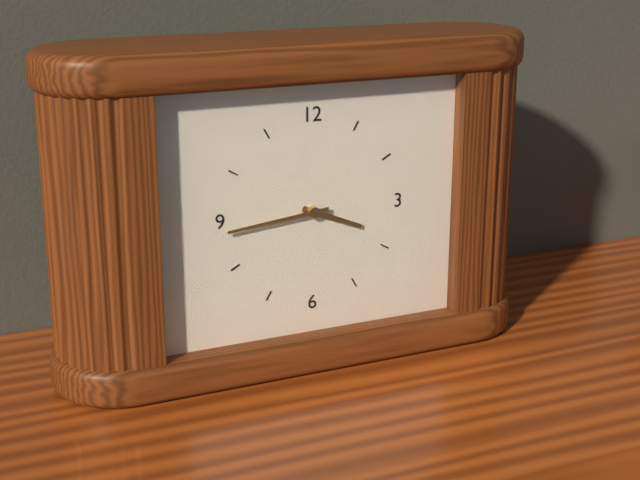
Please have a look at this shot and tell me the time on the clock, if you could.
3:44
